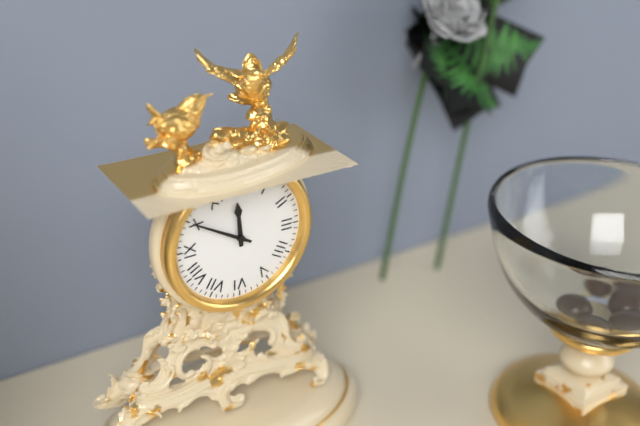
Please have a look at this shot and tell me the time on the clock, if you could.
11:50
